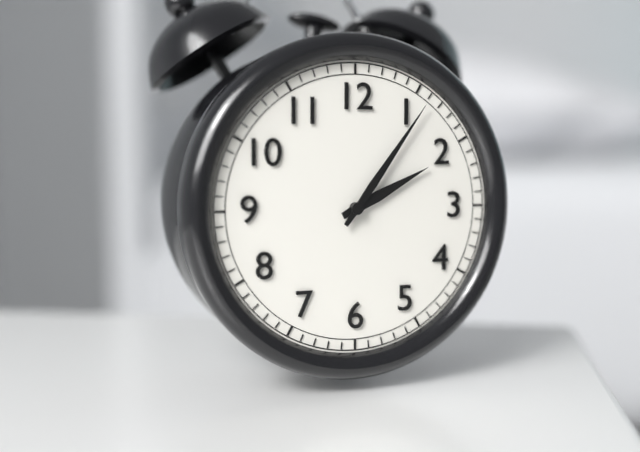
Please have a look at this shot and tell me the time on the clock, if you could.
2:06
